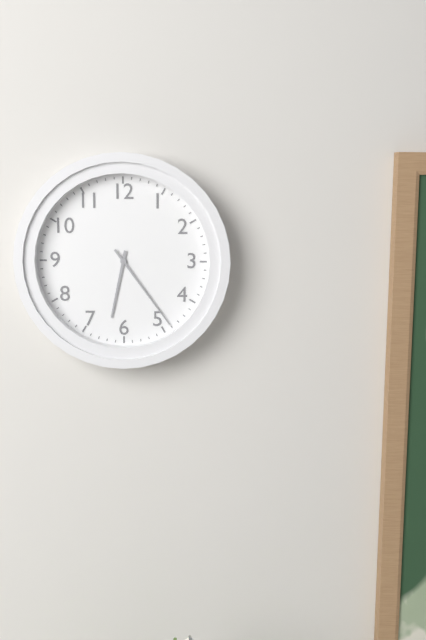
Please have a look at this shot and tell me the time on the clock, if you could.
6:24
